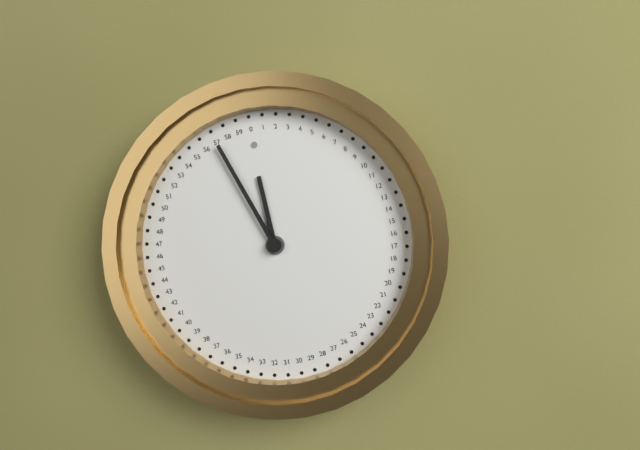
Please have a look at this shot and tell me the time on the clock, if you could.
11:57
